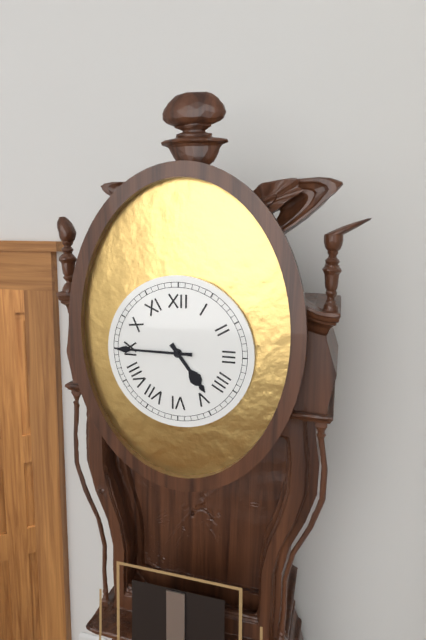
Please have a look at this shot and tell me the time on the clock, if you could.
4:45
